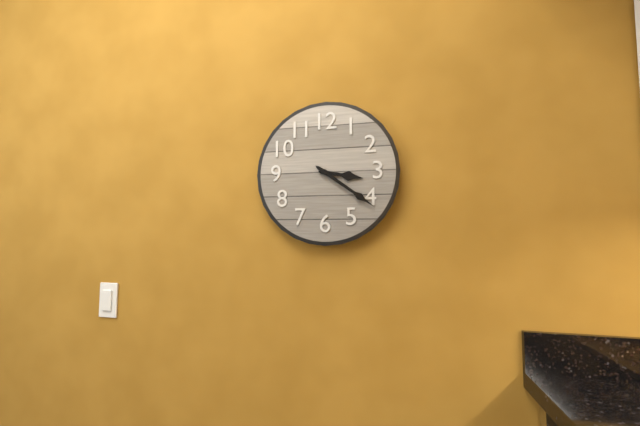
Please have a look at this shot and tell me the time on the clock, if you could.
3:21
